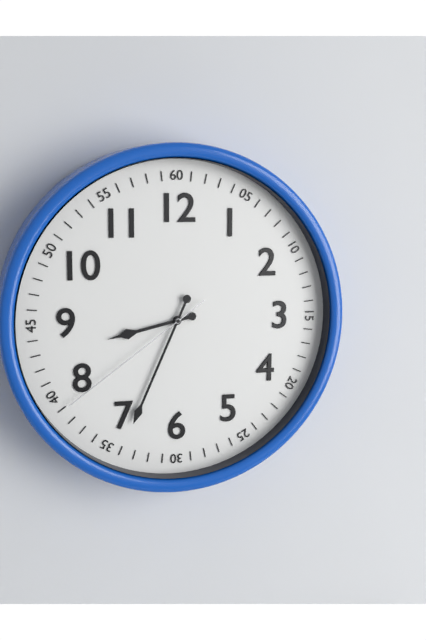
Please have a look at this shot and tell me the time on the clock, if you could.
8:34:39
